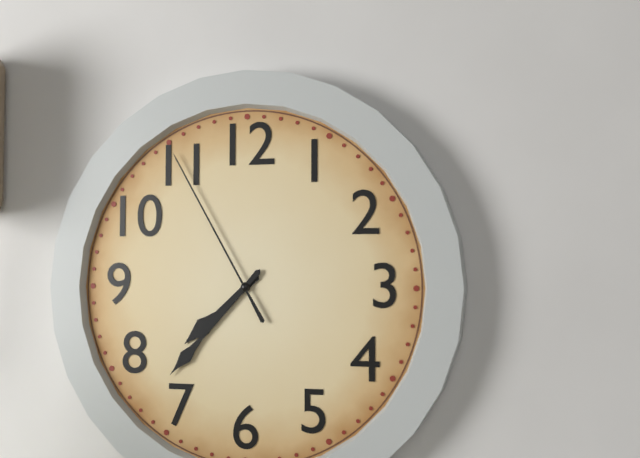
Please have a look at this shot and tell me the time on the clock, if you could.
7:37:55
